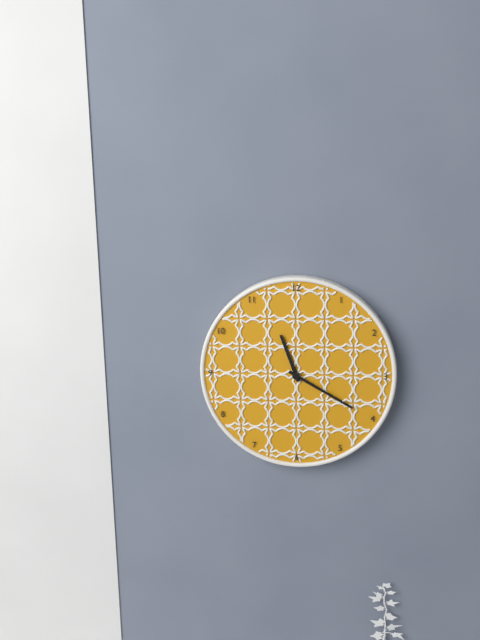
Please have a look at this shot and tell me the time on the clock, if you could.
11:20
